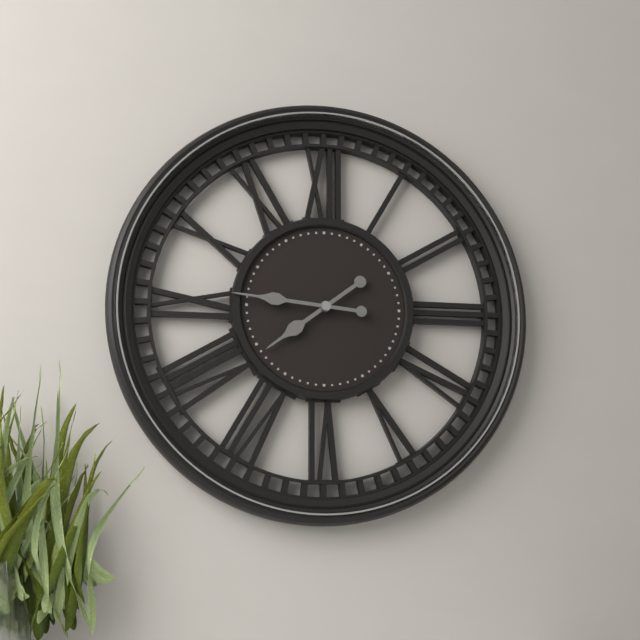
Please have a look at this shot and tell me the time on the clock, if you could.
7:46
